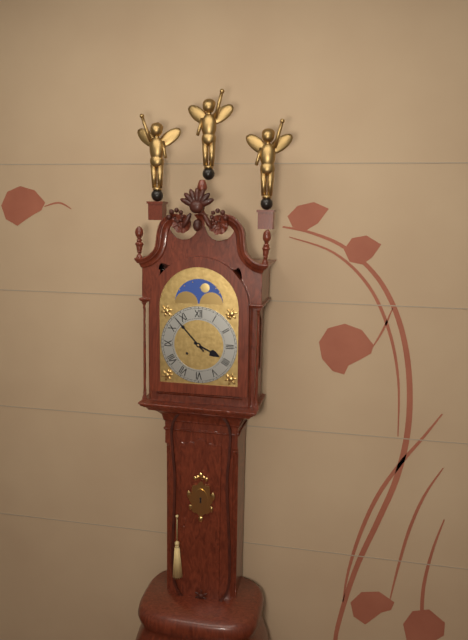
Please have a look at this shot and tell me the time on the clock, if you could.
3:53
